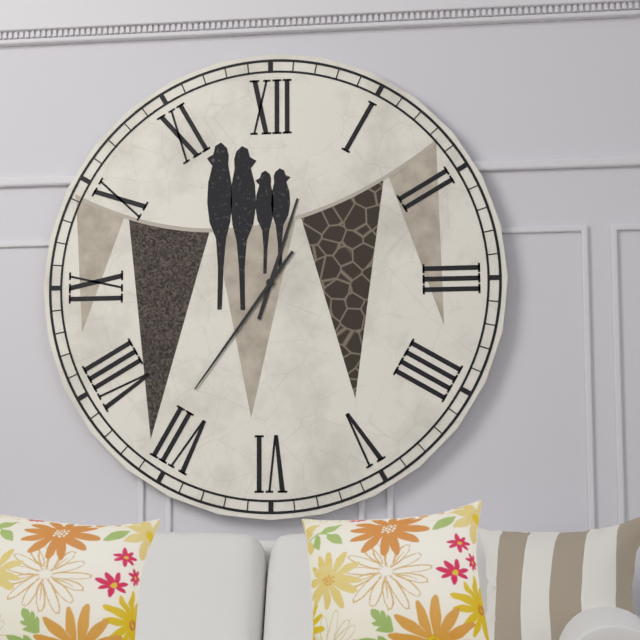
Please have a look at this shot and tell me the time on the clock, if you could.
12:36
